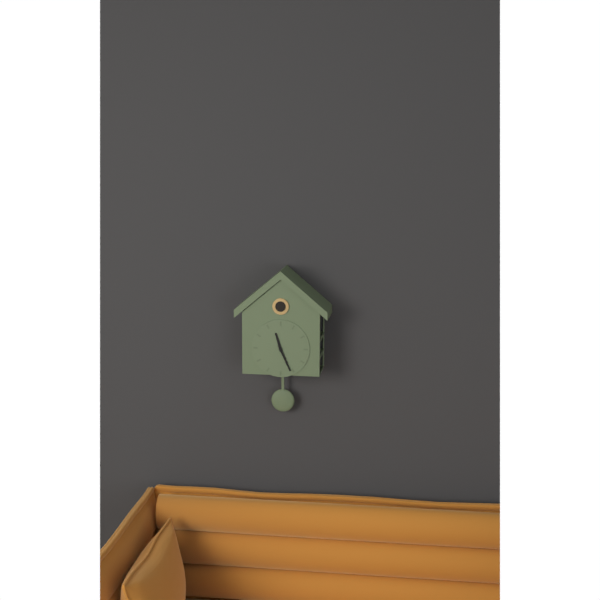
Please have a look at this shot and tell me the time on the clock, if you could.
11:26
